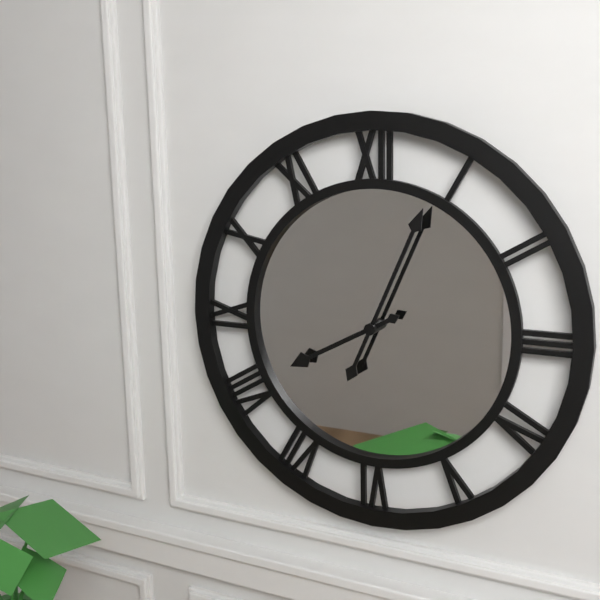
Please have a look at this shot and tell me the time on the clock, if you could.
8:04
